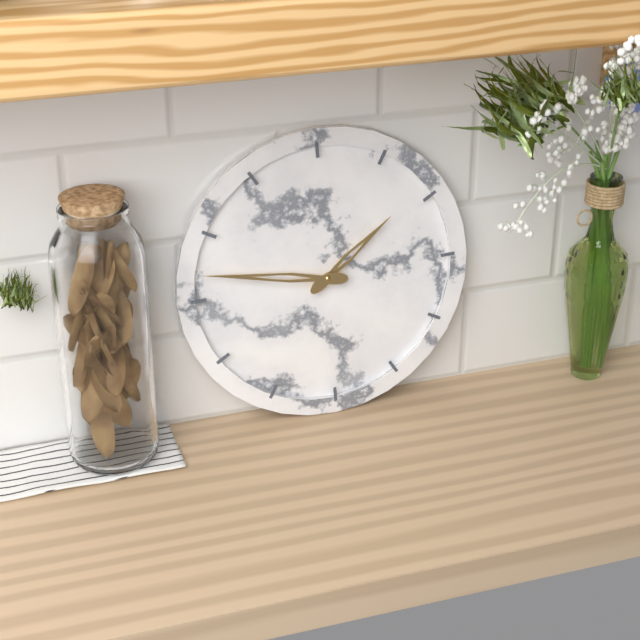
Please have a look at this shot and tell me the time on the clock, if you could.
1:47
